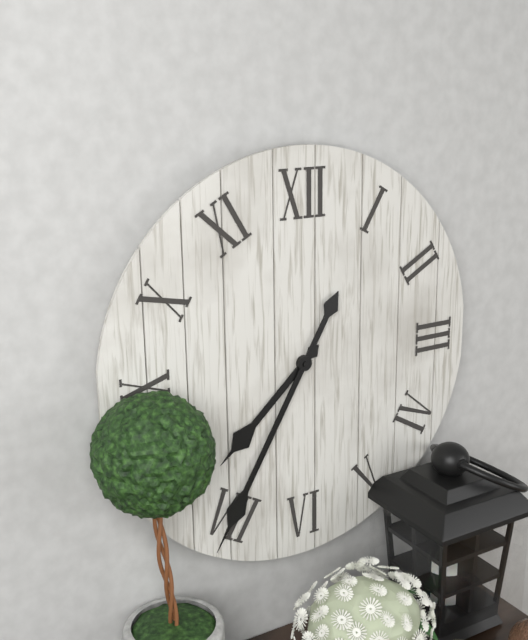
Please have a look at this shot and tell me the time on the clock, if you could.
7:35
